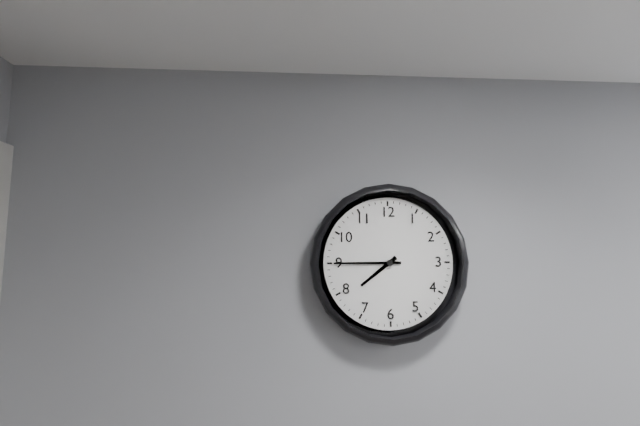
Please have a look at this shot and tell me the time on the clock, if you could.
7:45
